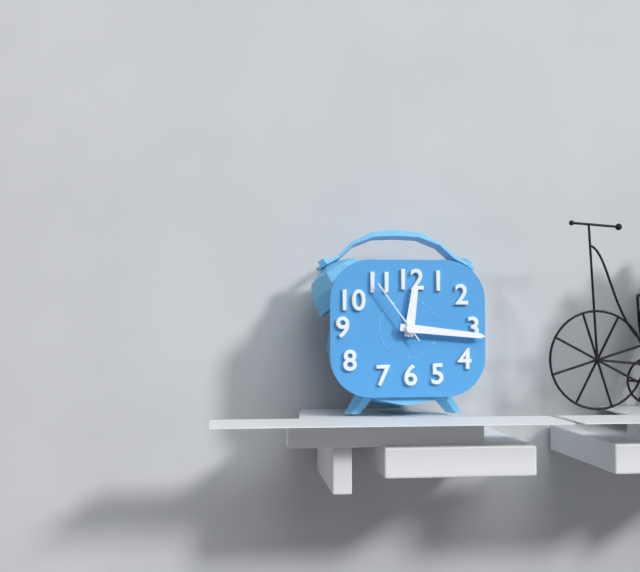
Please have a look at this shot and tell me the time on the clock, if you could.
12:16:54
